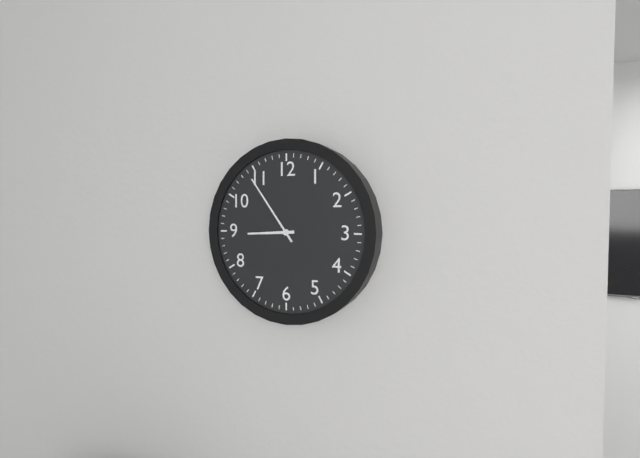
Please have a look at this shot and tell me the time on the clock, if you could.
8:54
